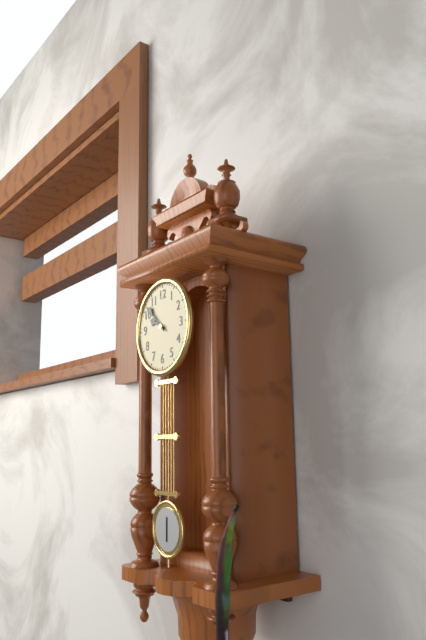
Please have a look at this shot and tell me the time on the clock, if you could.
9:52
